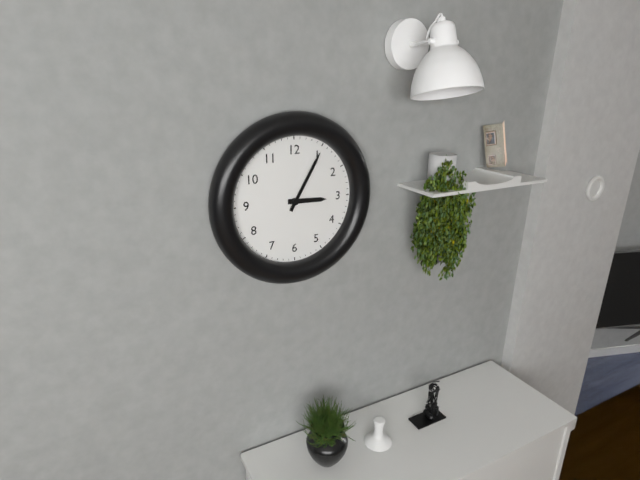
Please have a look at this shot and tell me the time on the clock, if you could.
3:05
